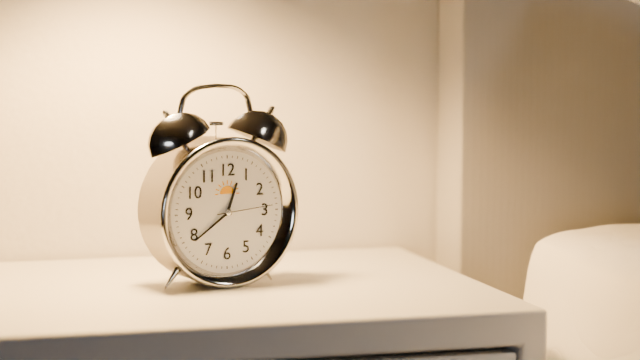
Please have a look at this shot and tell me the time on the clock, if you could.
12:39:14
